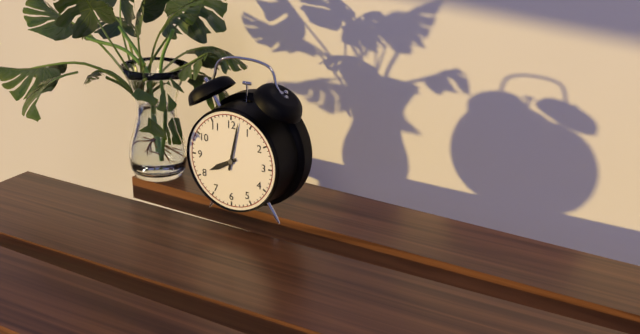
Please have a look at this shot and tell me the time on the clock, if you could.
8:02
